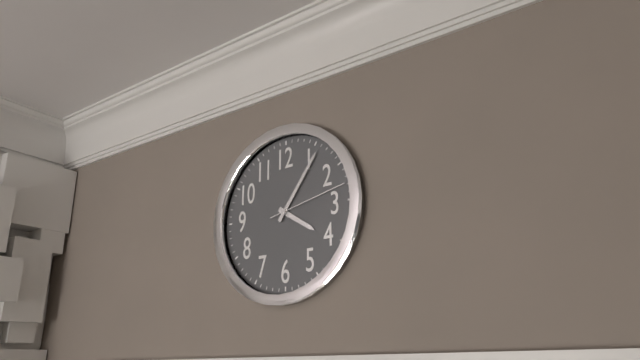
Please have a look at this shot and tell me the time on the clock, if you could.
4:06:13
